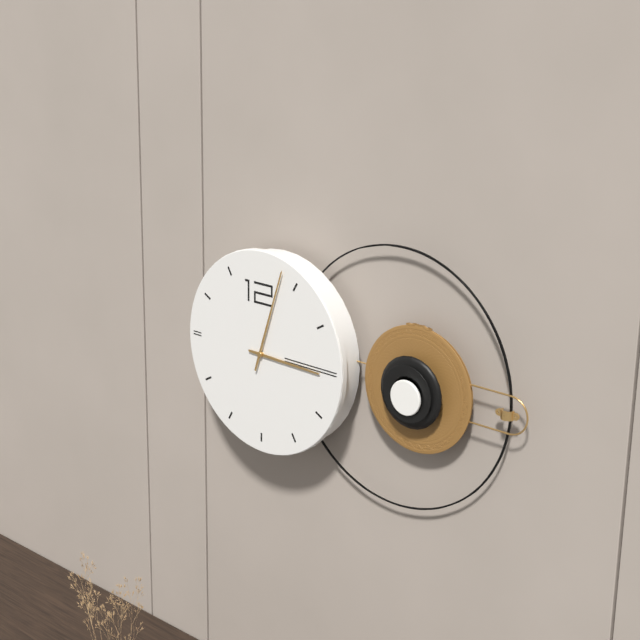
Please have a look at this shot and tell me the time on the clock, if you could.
3:03
